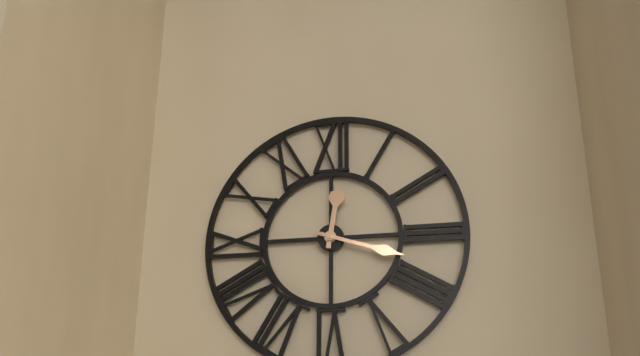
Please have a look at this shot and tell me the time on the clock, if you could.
12:18
